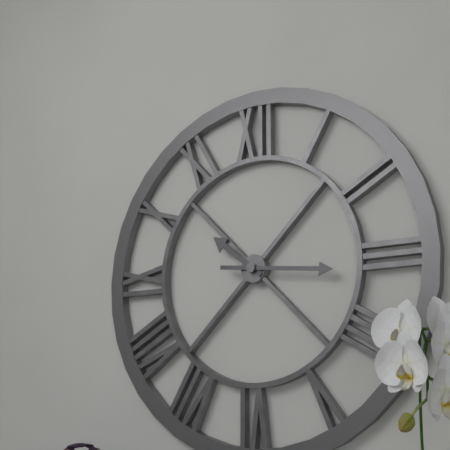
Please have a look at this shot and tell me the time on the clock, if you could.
10:16
